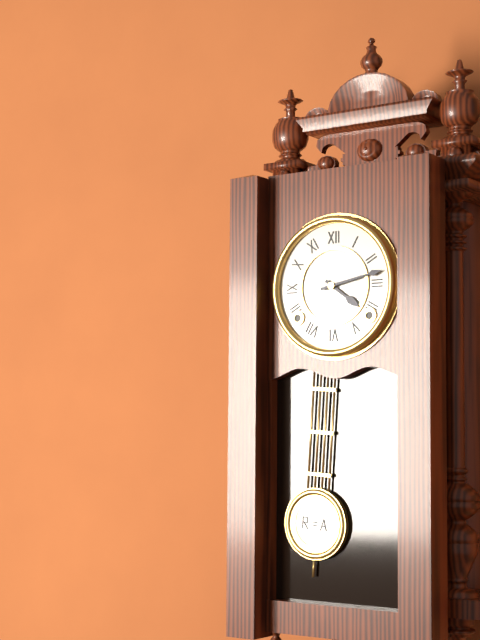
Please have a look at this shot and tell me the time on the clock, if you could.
4:13
